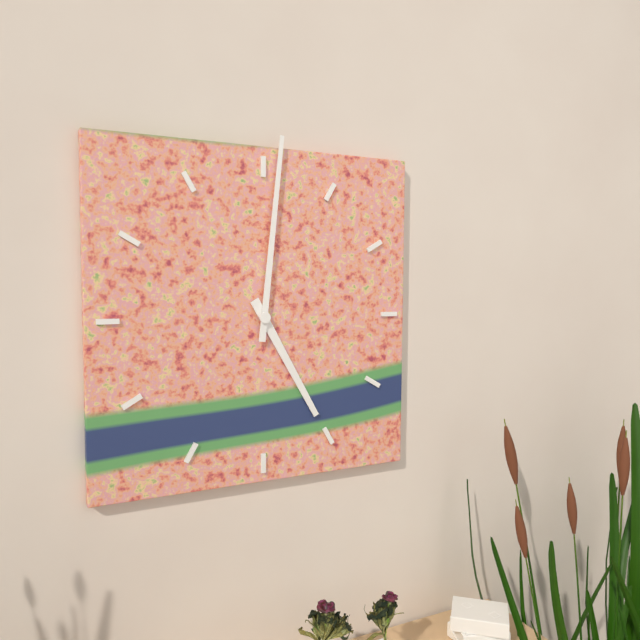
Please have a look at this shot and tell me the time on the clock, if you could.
5:01
